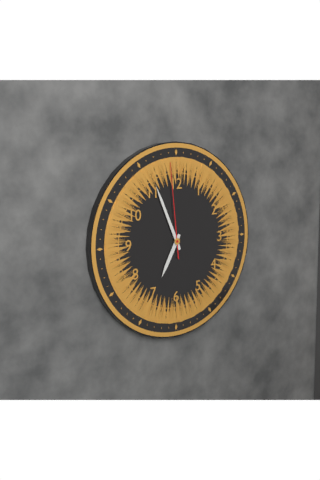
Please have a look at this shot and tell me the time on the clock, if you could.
6:56:59
